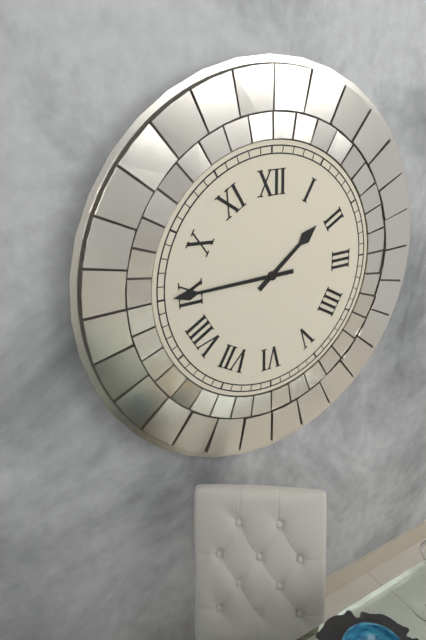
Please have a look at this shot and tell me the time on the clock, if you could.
1:45
